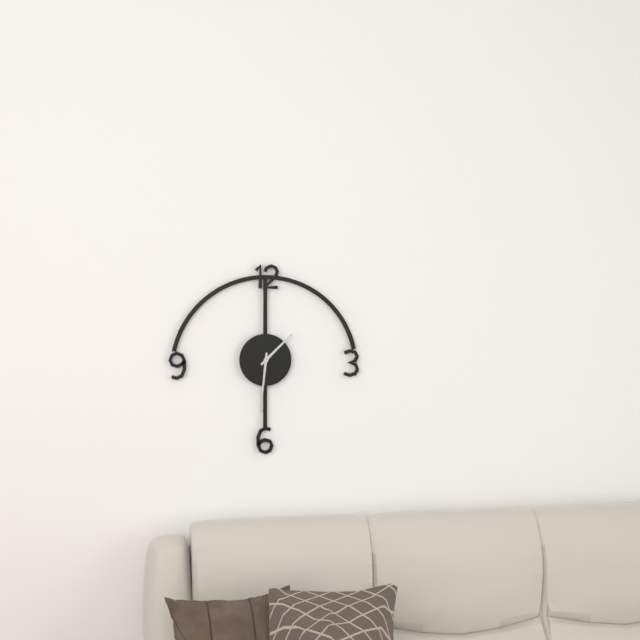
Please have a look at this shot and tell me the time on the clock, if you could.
1:31
